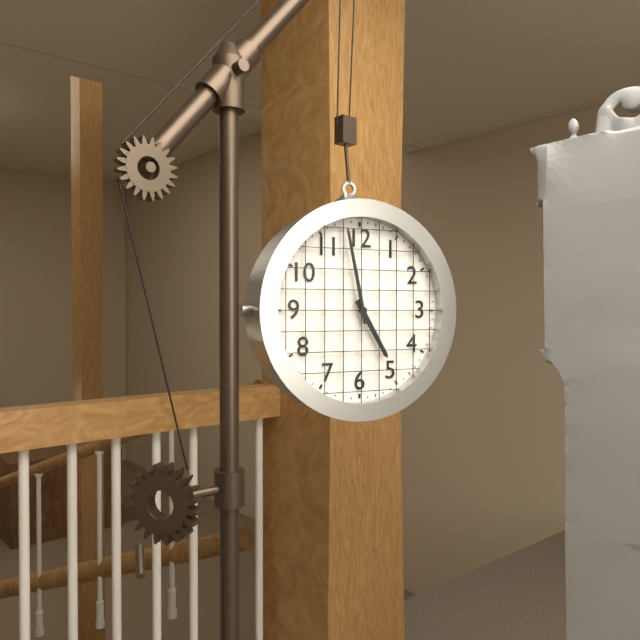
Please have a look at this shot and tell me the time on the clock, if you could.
4:58
